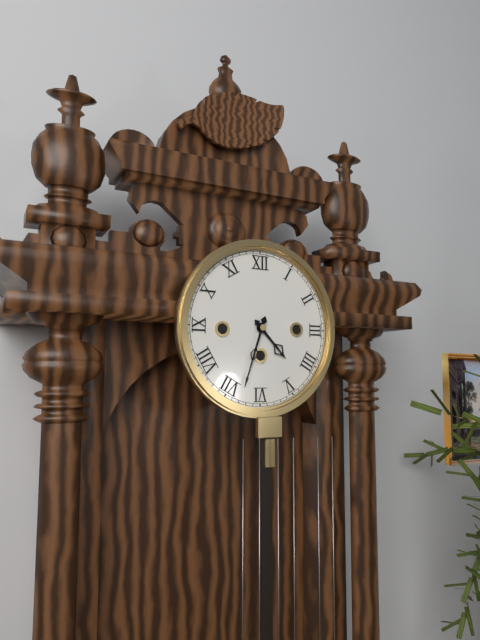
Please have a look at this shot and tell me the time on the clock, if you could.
4:33
